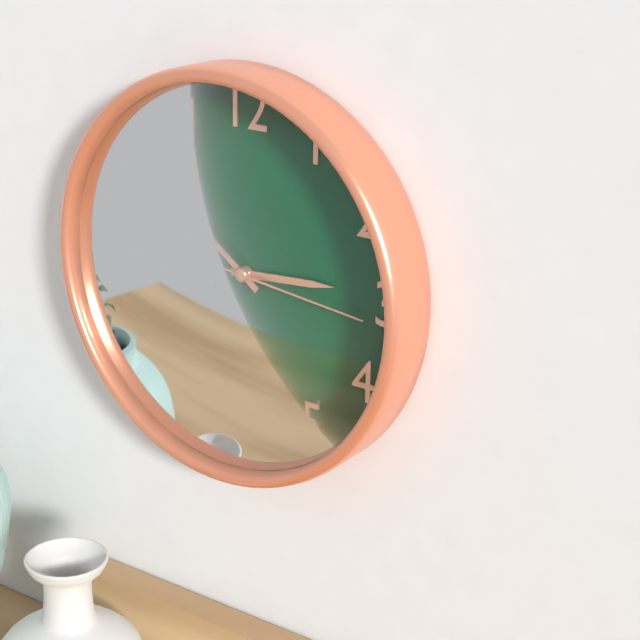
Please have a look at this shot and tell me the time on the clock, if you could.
2:51:16
